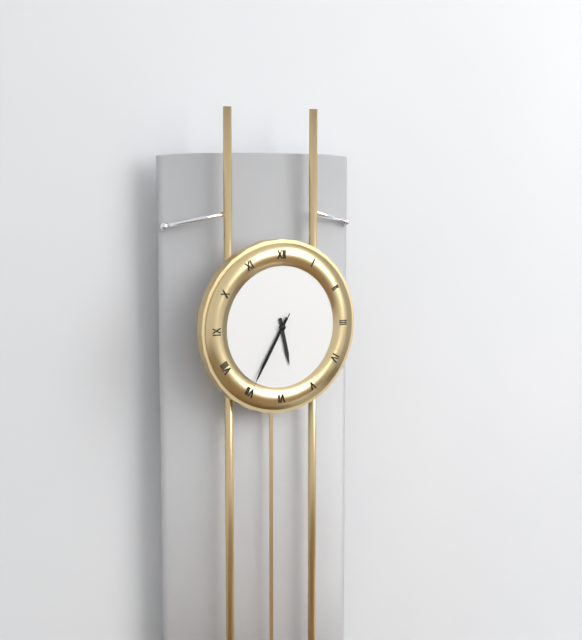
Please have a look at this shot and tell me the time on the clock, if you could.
5:35:35
